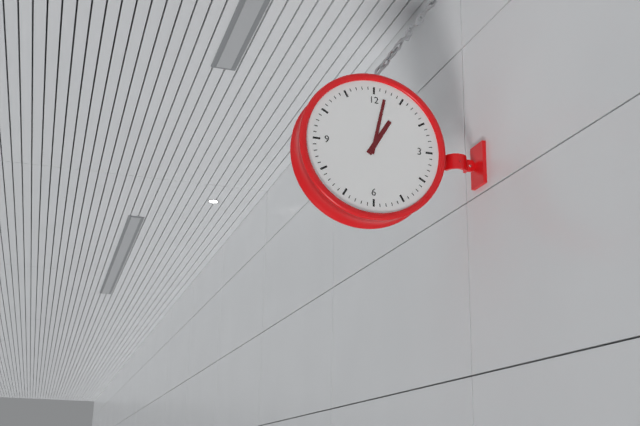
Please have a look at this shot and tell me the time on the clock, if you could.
1:02
